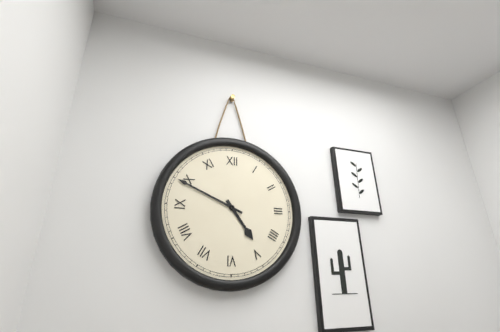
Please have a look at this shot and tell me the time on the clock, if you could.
4:49
